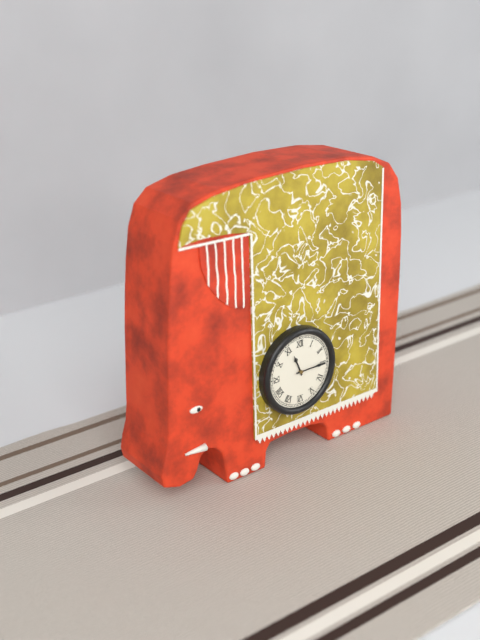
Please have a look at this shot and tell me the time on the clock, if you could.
11:15
